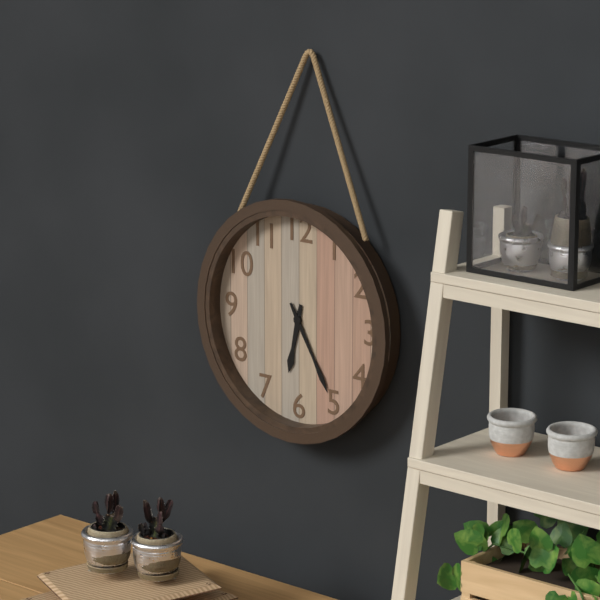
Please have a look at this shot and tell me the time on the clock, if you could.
6:25
